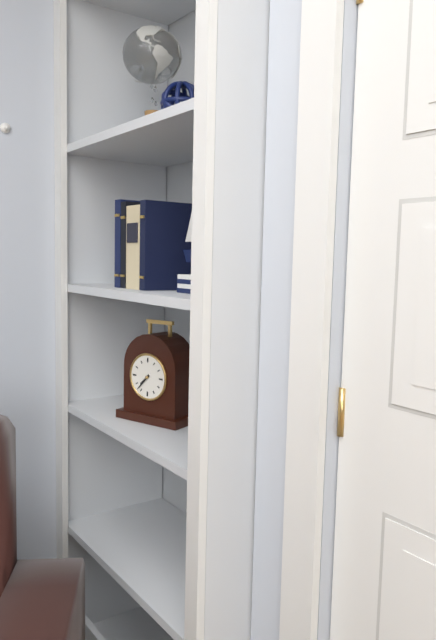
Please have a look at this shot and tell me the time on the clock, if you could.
7:37
